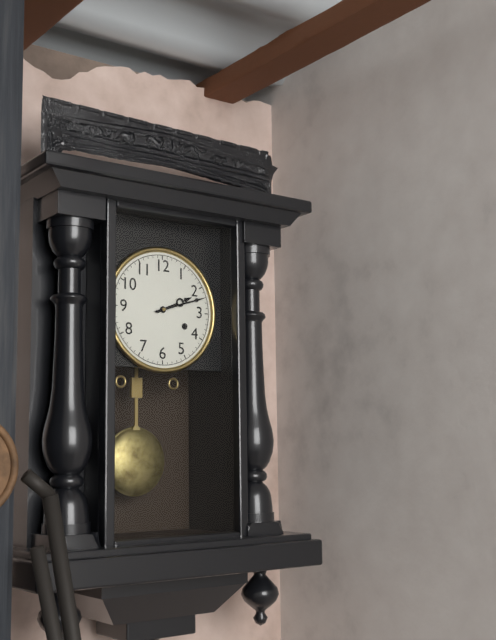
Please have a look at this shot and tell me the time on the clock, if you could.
2:12
